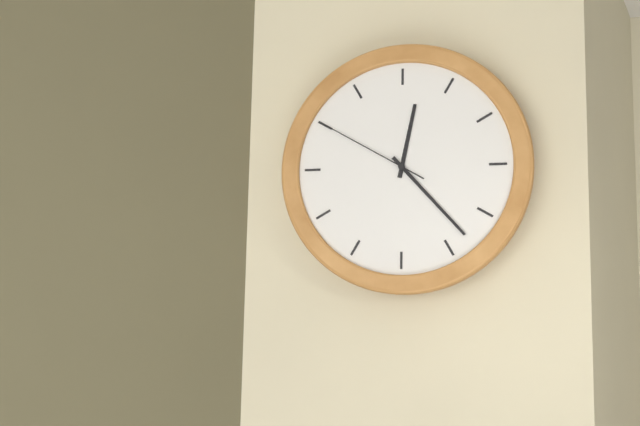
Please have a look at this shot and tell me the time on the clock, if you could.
12:23:50
